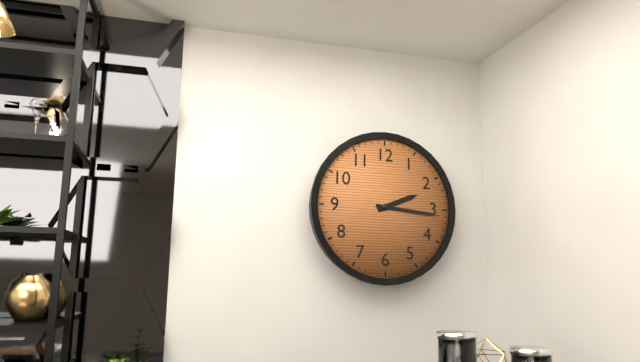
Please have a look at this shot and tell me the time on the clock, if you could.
2:16
